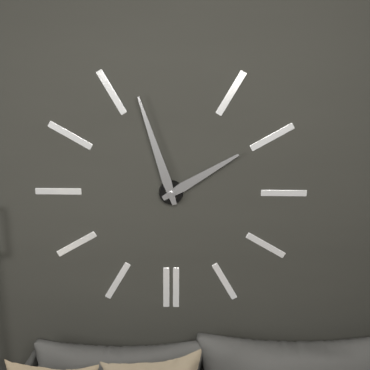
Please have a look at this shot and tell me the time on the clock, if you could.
1:57
